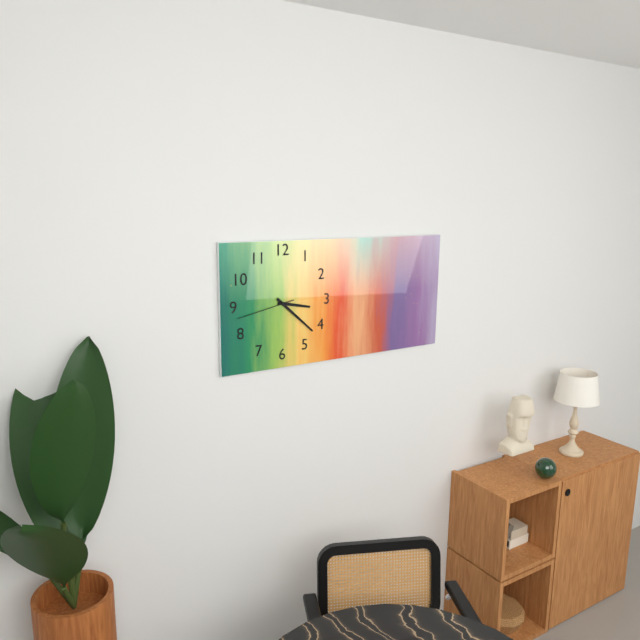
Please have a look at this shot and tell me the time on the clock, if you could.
3:22:43
